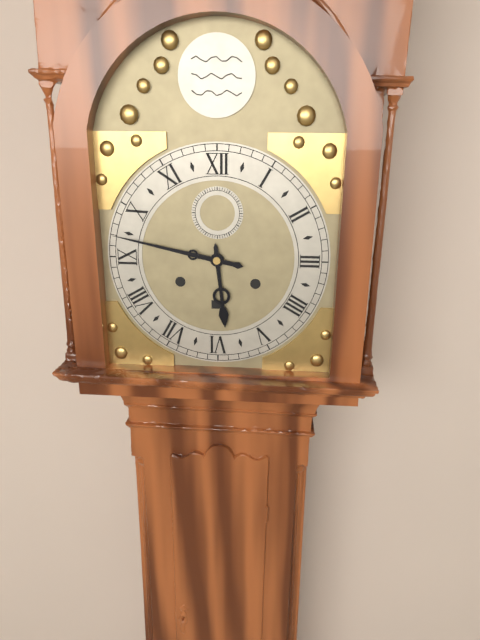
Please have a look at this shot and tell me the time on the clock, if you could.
5:47
